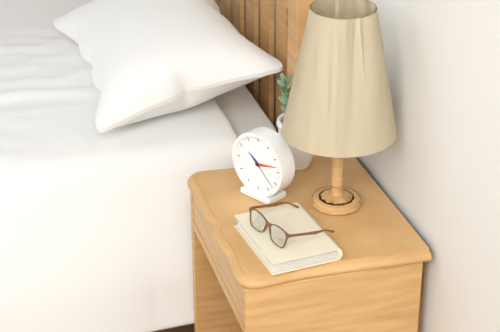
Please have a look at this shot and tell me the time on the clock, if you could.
10:13
